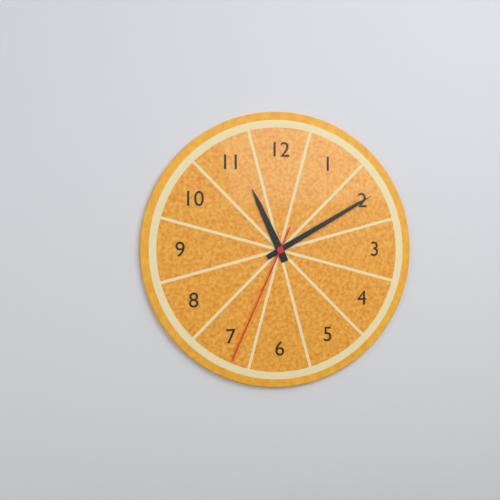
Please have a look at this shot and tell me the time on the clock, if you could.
11:10:34
